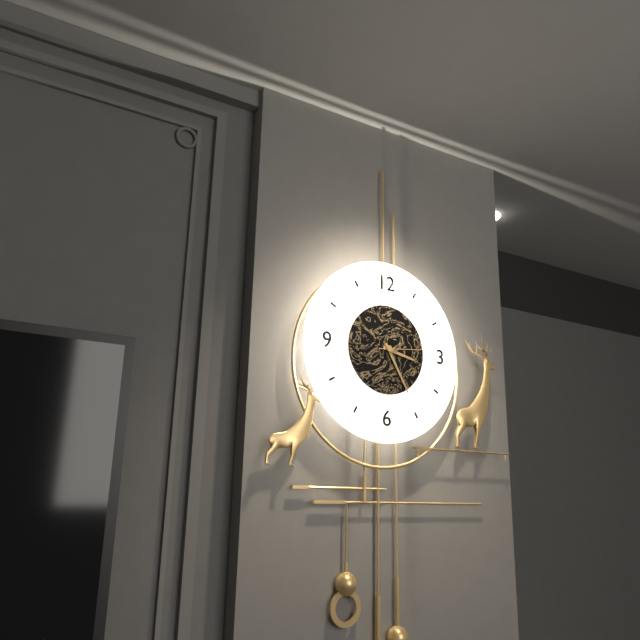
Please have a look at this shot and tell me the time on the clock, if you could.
3:25:14
